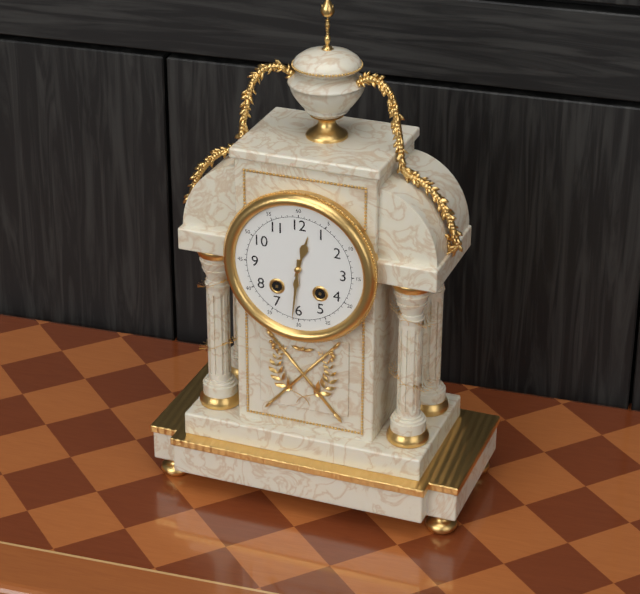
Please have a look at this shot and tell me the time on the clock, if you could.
12:31
